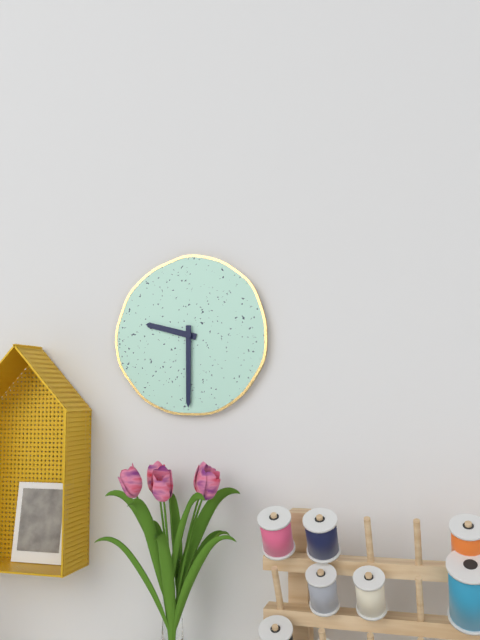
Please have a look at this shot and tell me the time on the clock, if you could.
9:30
